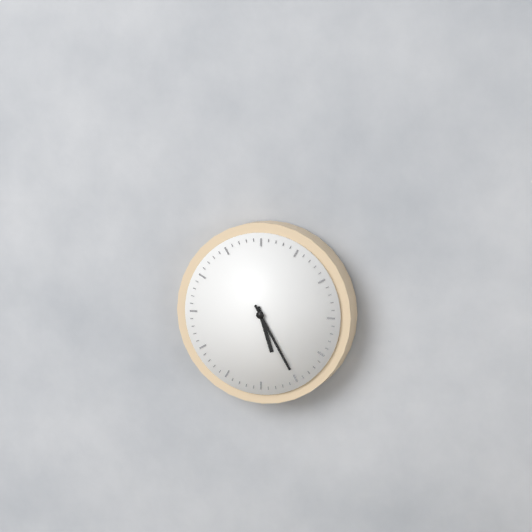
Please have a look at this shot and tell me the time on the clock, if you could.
5:25
